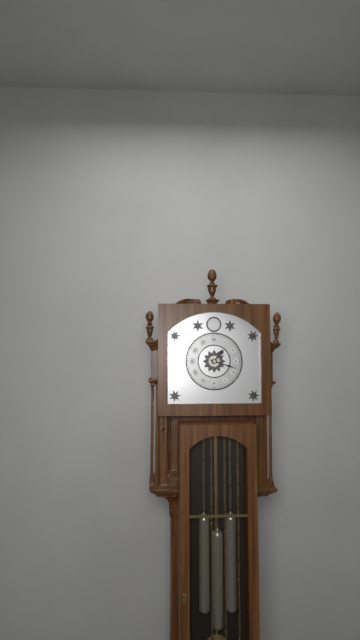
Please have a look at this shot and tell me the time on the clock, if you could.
1:18
